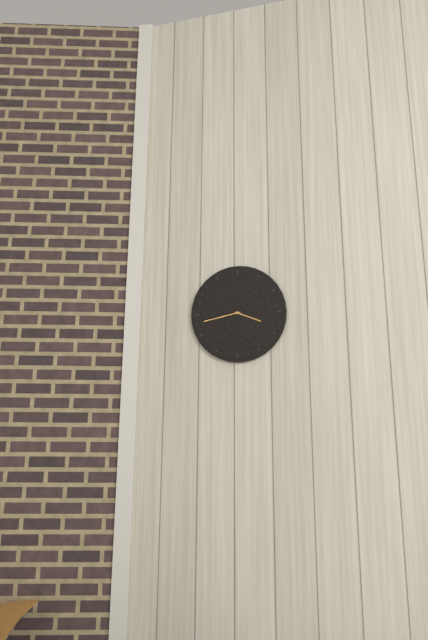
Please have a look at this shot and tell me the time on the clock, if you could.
3:43
